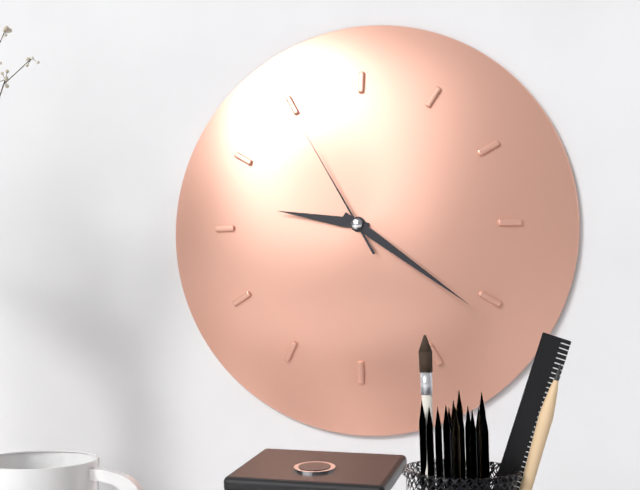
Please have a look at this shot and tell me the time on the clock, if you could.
9:21:55
